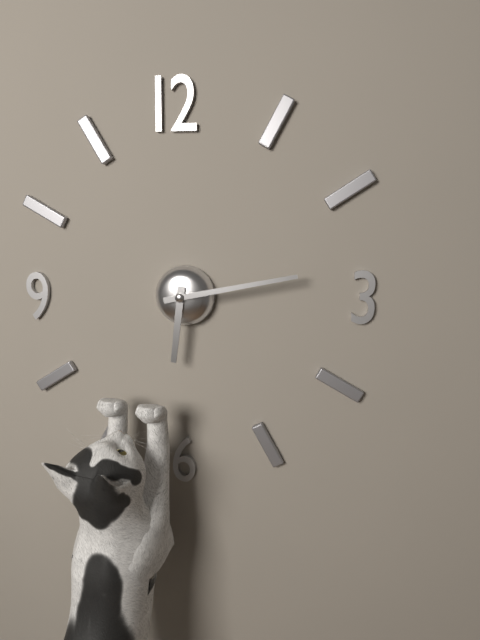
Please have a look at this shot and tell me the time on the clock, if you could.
6:13
